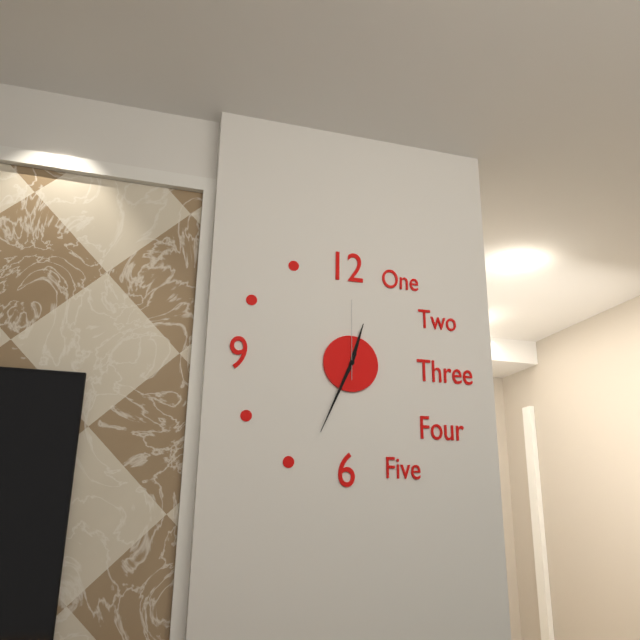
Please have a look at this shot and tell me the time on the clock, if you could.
12:34:00
